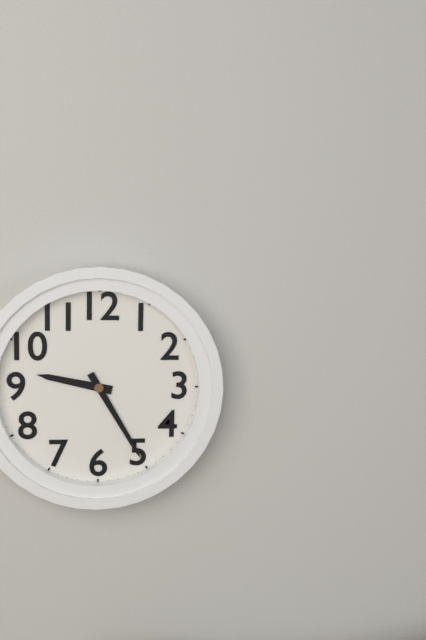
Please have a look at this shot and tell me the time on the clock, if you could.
9:25
